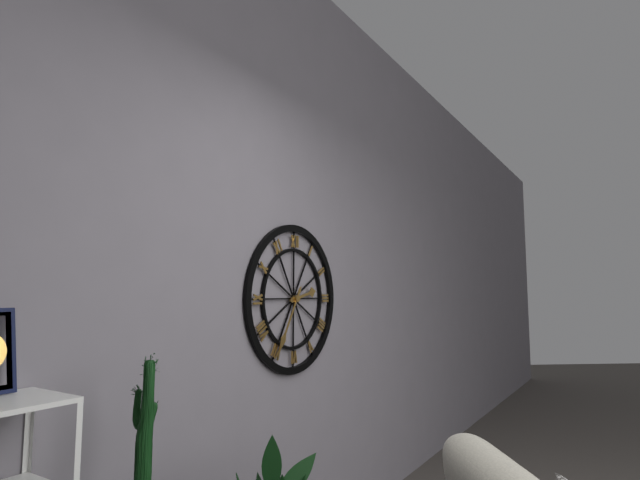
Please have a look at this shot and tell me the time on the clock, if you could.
2:35
